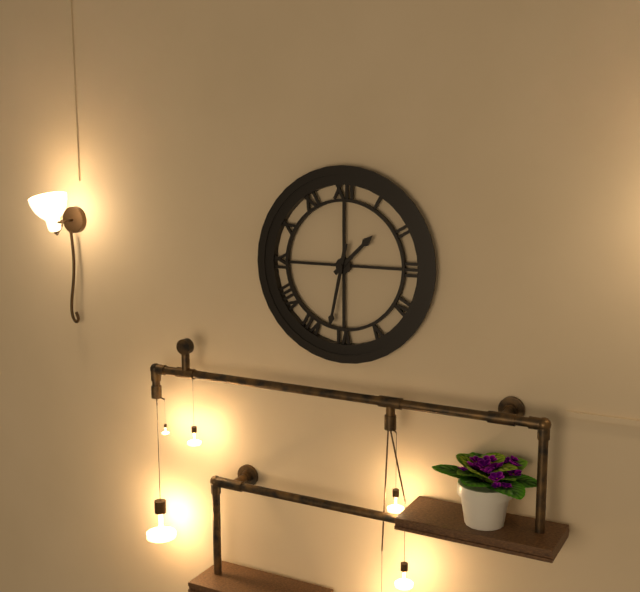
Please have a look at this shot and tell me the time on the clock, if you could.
1:32
